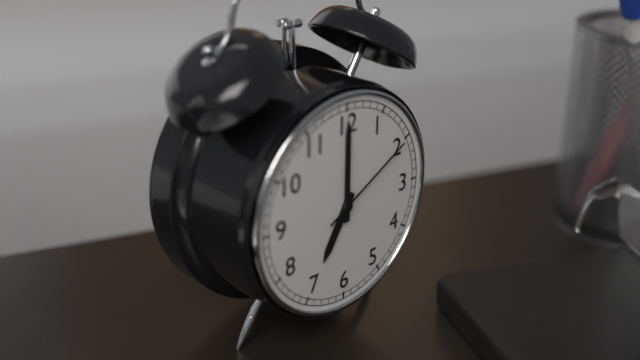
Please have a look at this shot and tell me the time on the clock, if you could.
7:00:10
